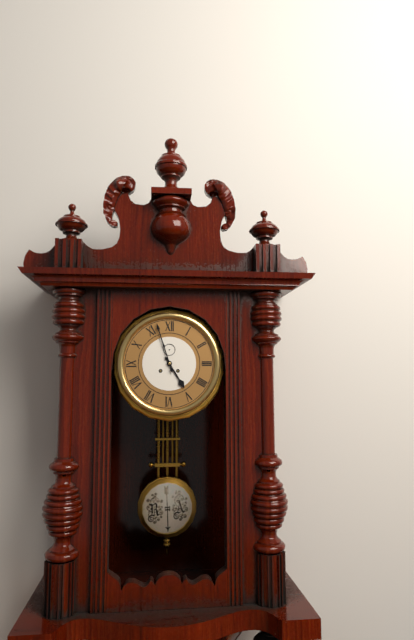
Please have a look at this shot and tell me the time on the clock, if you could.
4:57
